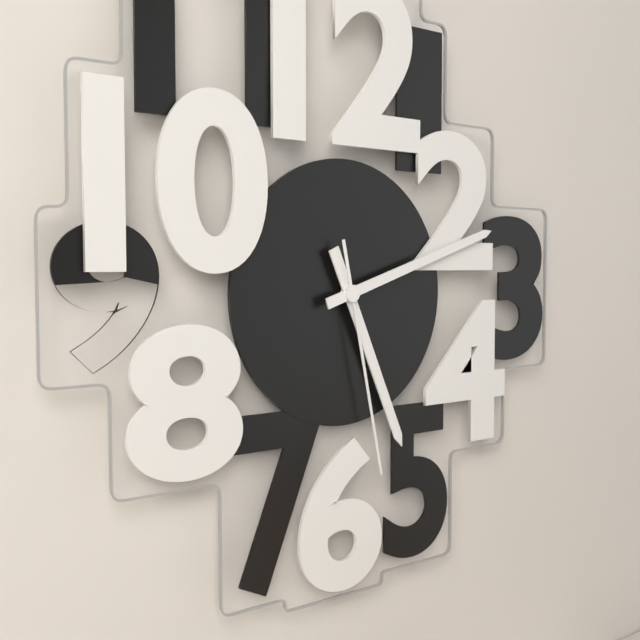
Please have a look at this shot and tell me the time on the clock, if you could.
5:12:28
